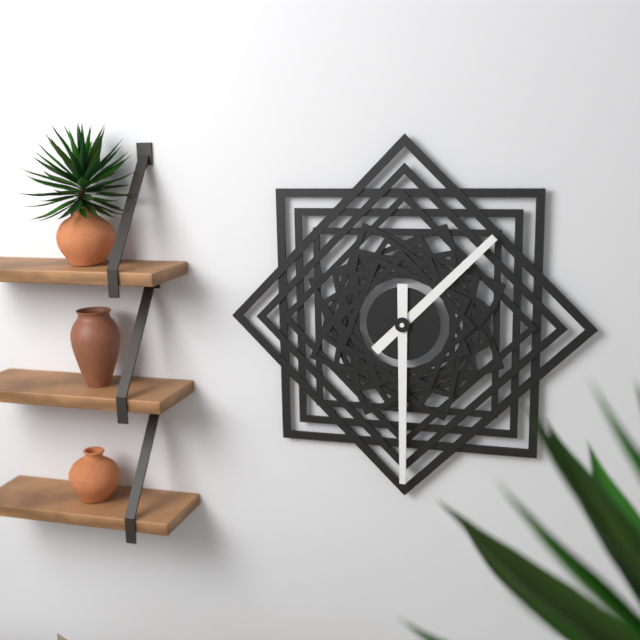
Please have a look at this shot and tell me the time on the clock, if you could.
1:30
